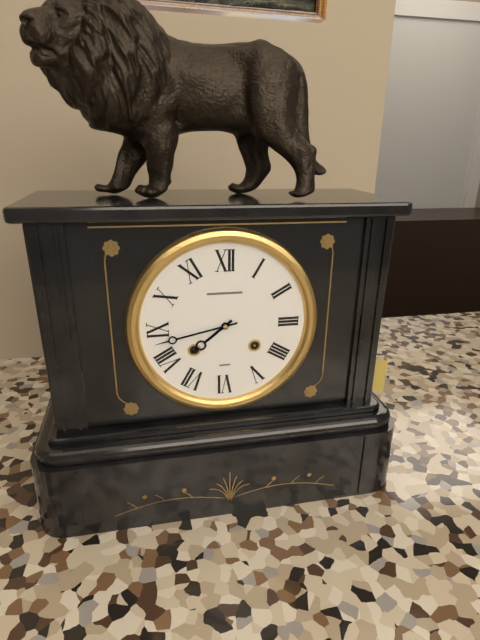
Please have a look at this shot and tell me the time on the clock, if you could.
7:43
